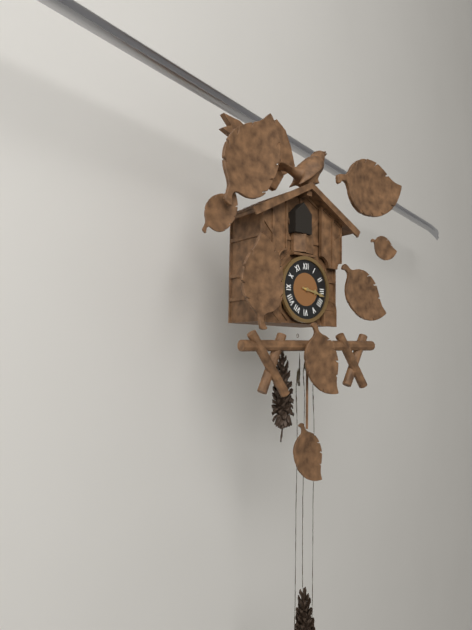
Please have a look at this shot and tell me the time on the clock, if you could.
3:17
